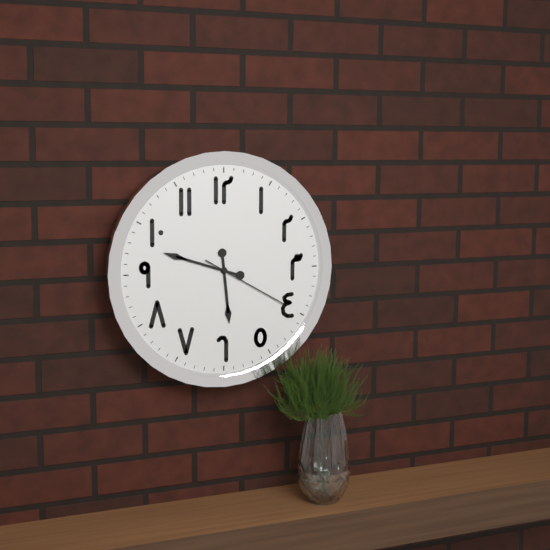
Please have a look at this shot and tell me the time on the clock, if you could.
5:48:20
